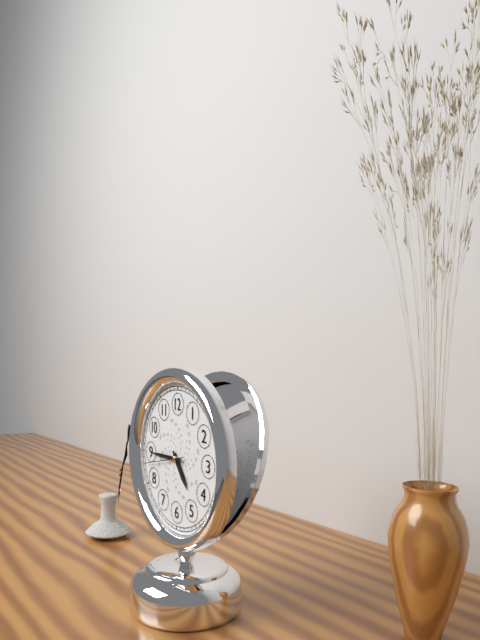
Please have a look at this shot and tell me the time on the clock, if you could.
4:45
